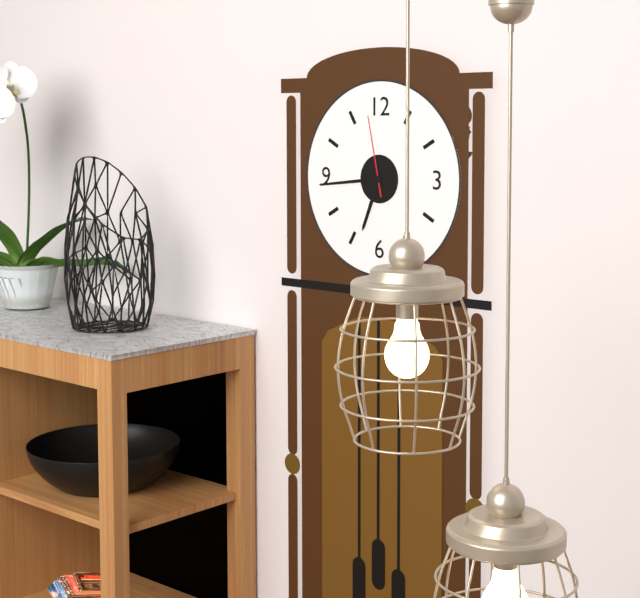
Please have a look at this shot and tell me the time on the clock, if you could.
6:44:58
